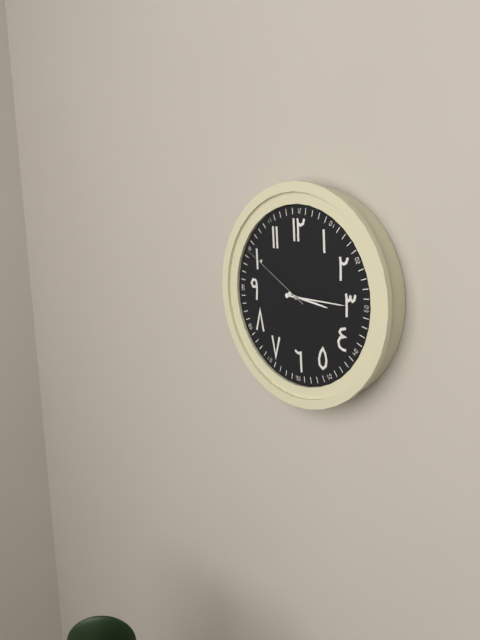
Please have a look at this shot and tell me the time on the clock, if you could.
3:15:50
